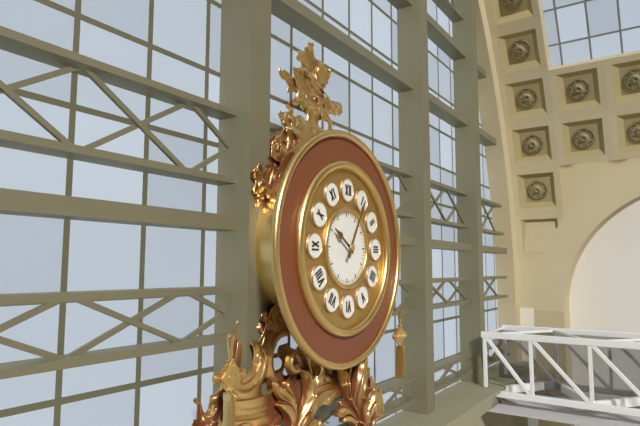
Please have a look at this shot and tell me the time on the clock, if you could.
10:05
